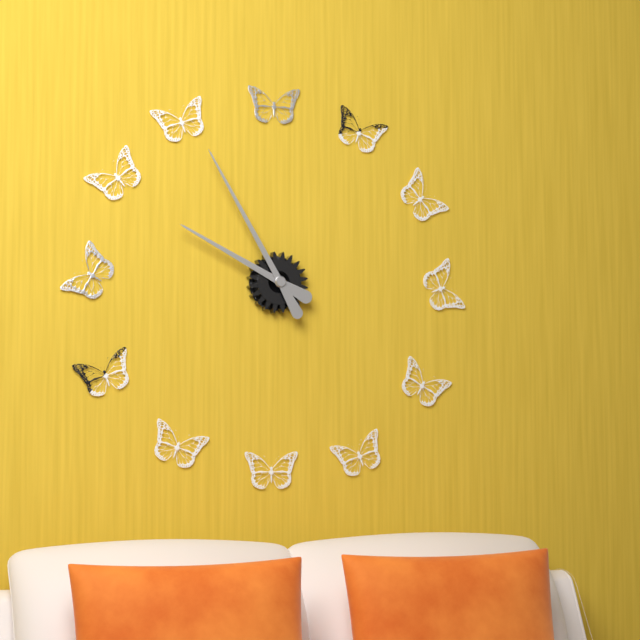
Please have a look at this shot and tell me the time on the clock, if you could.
9:55
